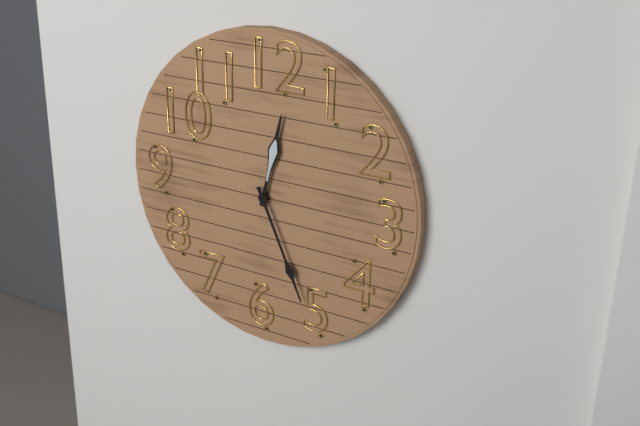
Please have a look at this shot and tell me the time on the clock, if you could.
12:26
